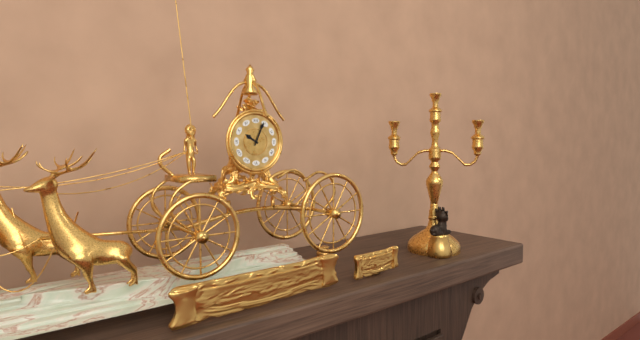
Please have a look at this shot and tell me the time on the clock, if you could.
10:04
